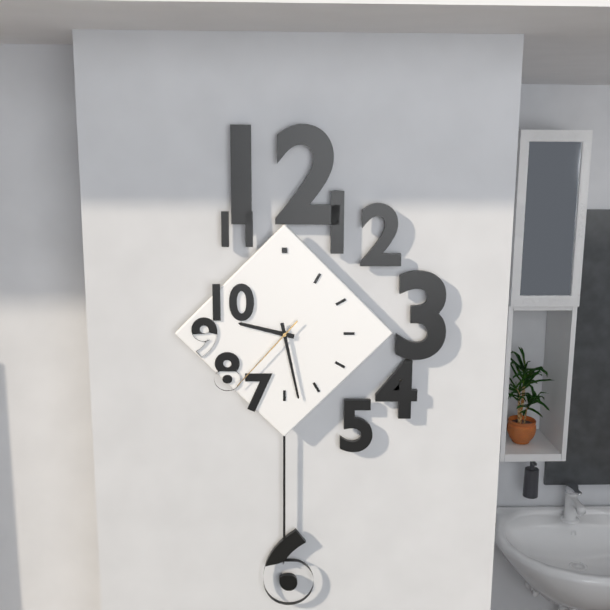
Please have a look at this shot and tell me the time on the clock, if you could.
9:28:37
